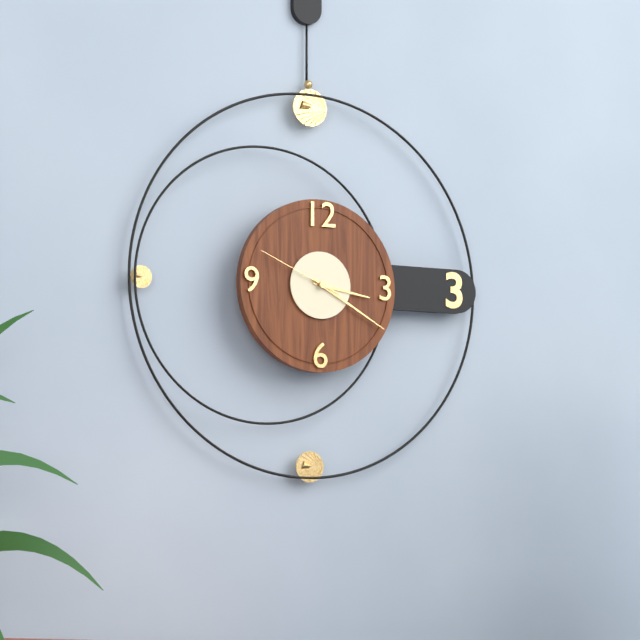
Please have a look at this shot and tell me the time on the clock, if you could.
3:20:49
